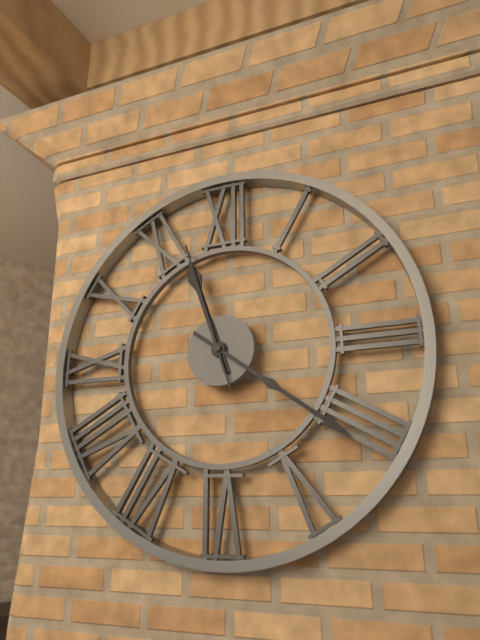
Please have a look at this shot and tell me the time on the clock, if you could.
11:21:57
